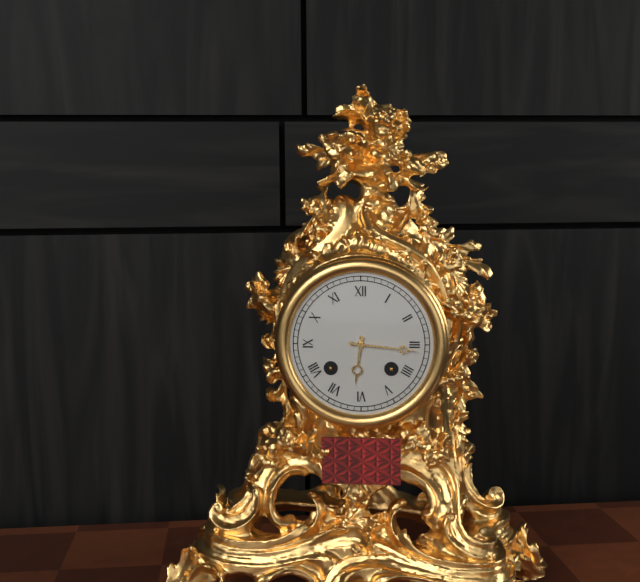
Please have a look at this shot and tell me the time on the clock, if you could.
6:16
